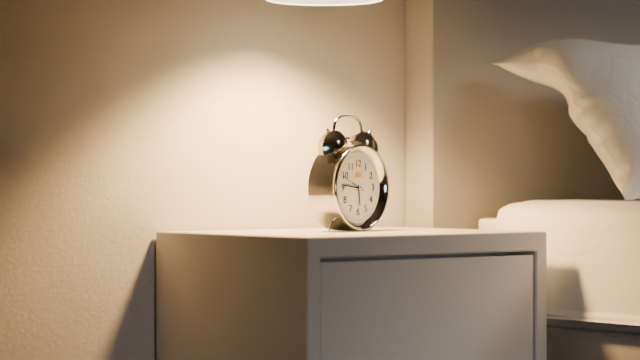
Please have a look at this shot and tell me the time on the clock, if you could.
5:46
